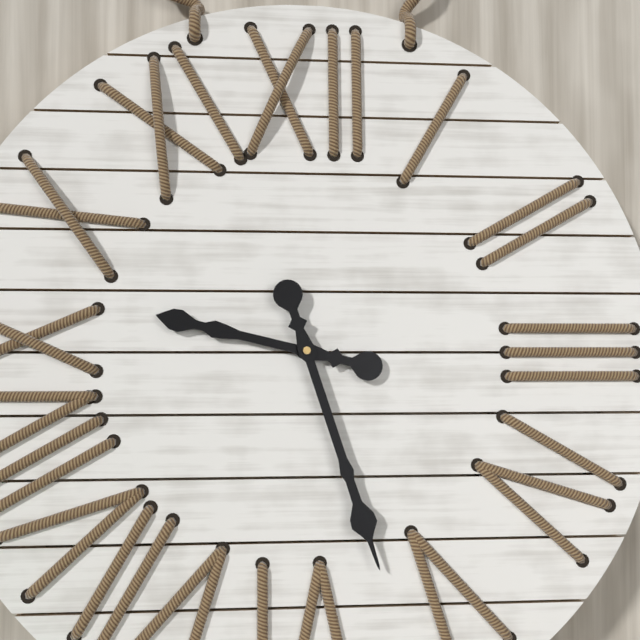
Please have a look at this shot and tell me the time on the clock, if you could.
9:27
